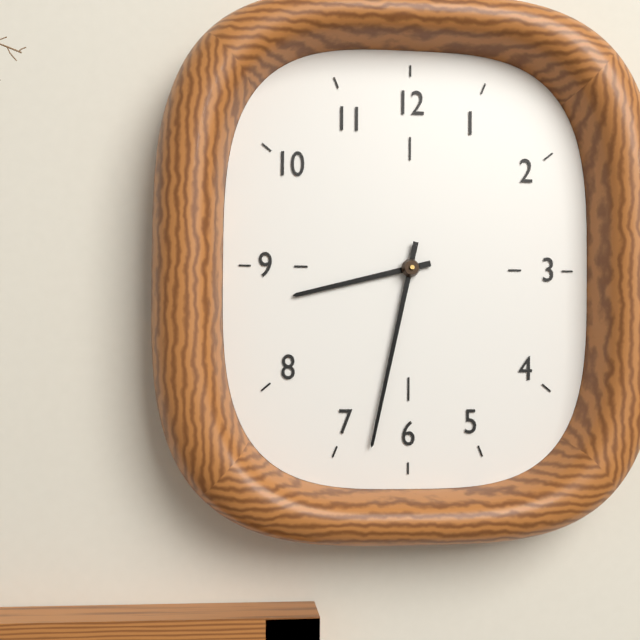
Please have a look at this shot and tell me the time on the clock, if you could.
8:32
